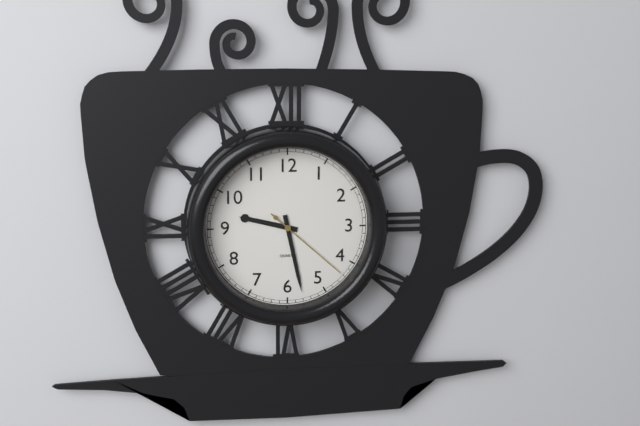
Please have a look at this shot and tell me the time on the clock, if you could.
9:28:22
